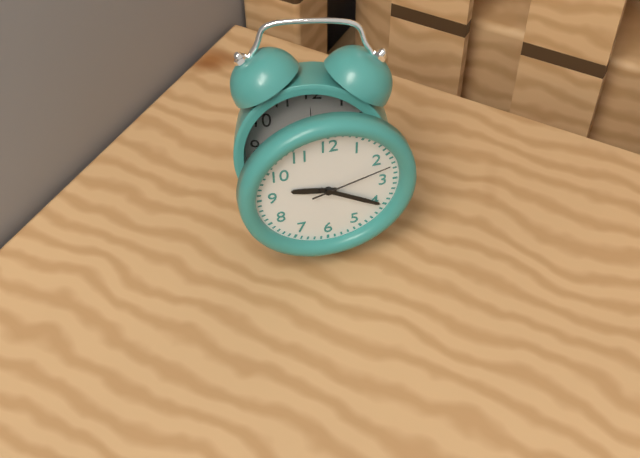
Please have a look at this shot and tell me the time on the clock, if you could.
9:20:12
